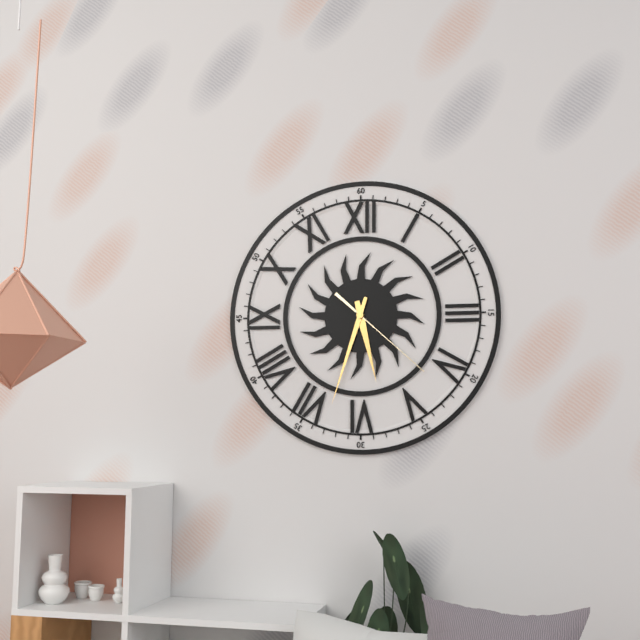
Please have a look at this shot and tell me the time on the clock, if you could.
5:33:22
